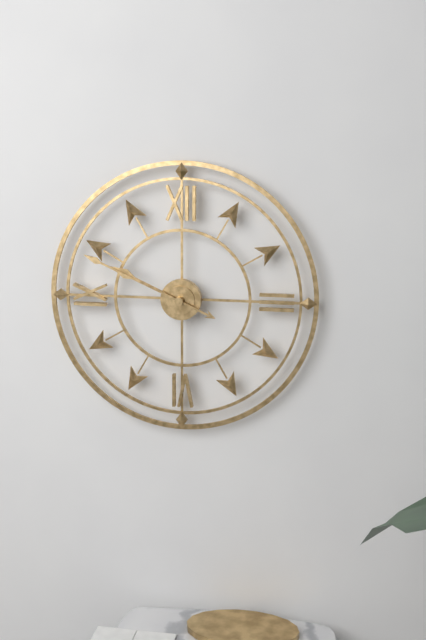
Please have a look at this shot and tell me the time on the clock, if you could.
9:49
